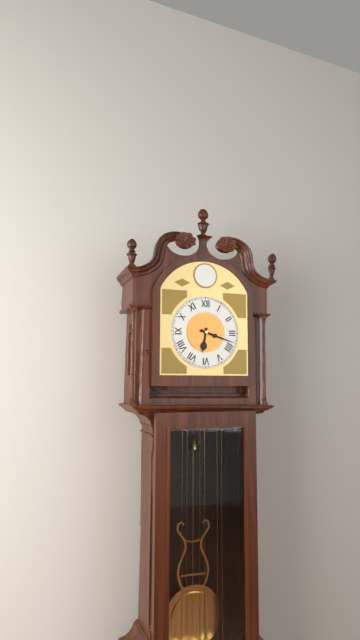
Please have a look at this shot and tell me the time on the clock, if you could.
6:18
